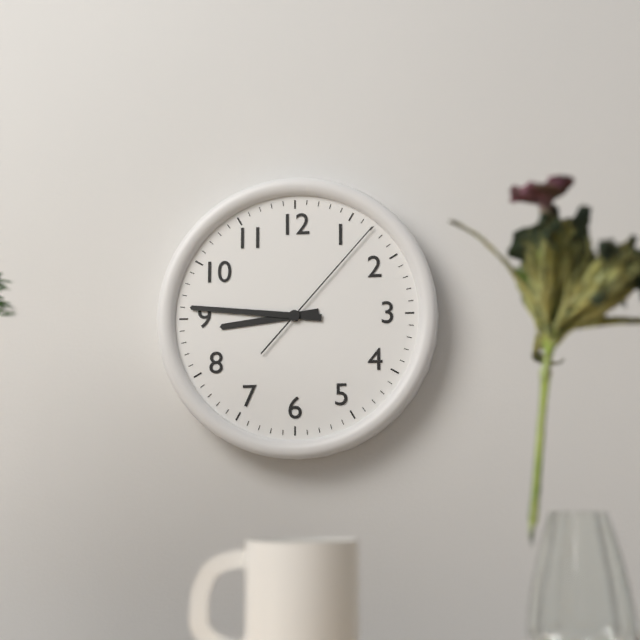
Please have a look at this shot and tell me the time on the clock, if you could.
8:46:07
